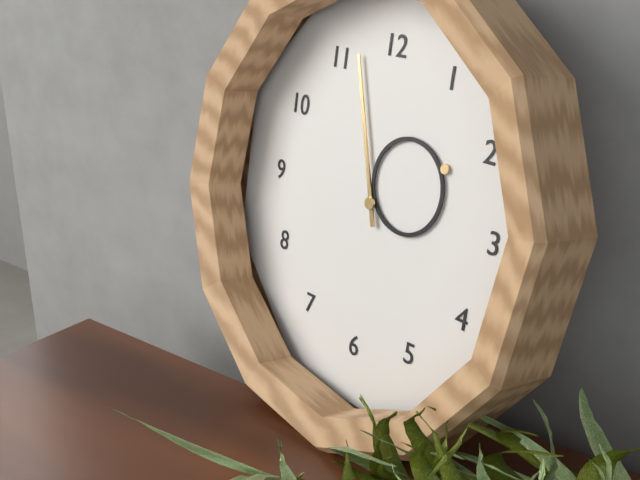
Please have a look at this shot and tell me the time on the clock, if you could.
1:57
